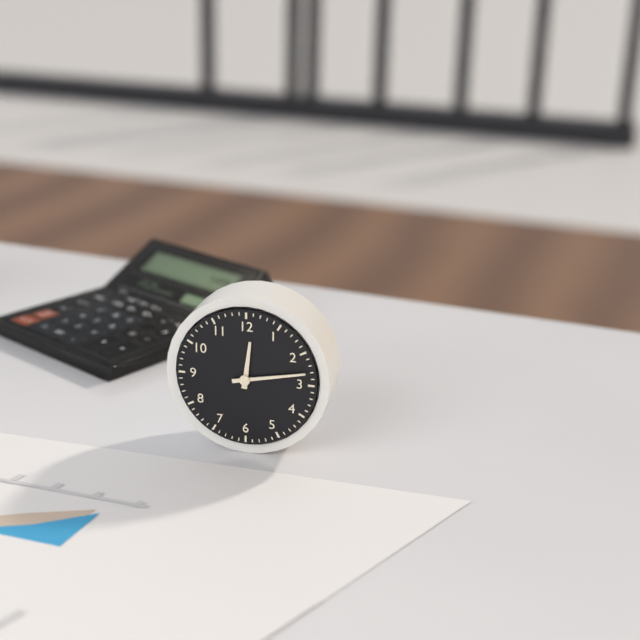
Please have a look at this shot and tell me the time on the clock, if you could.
12:13
